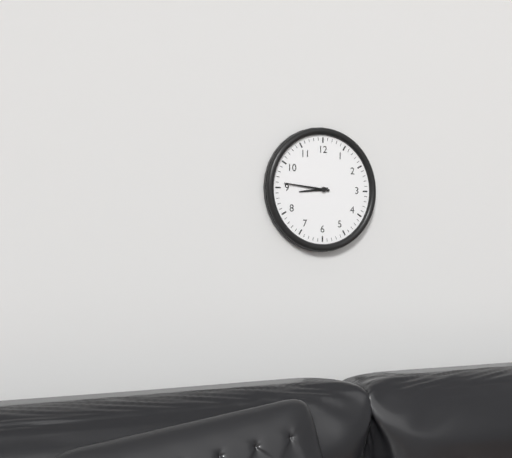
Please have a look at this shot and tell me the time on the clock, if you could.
8:46
